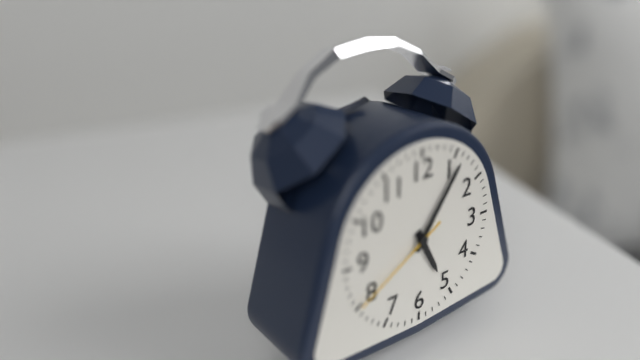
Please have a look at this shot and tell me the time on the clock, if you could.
5:06:40
